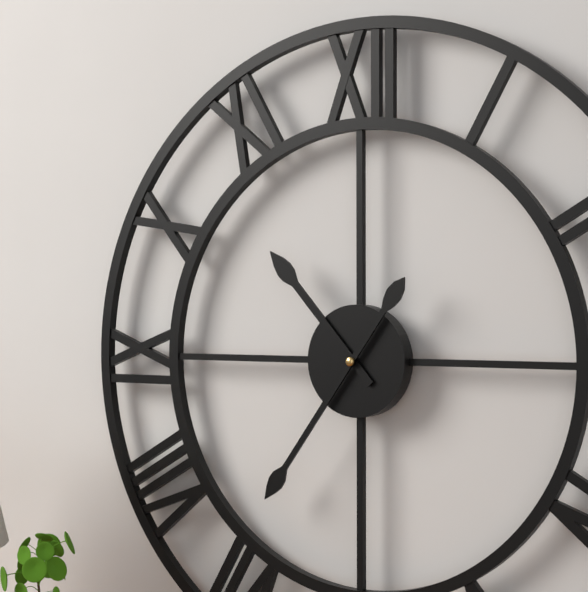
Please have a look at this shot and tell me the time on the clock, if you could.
10:36
